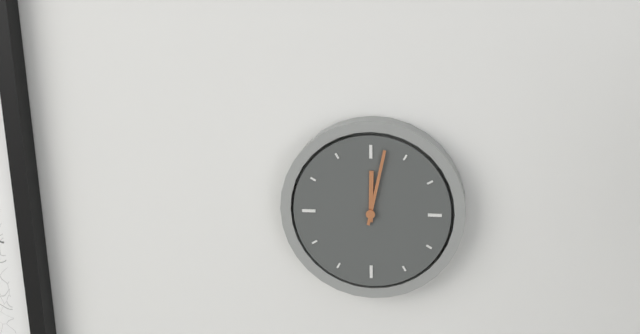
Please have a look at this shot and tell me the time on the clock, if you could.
12:02
